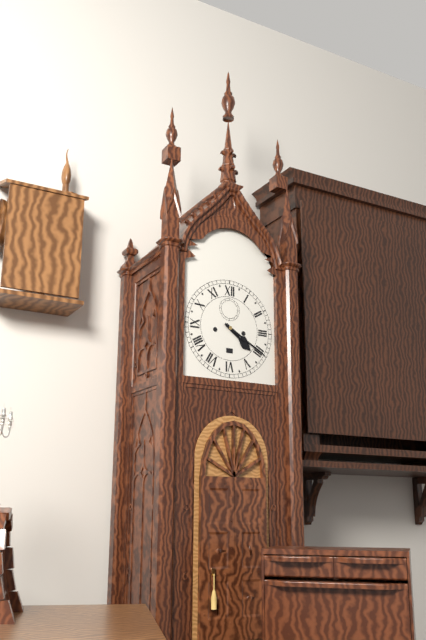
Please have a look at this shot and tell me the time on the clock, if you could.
4:20
